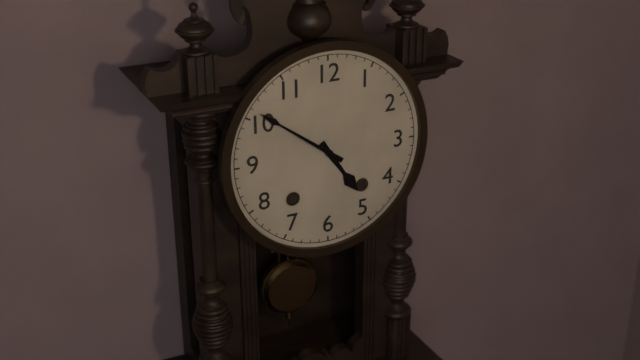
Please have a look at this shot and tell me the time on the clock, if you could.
4:51
